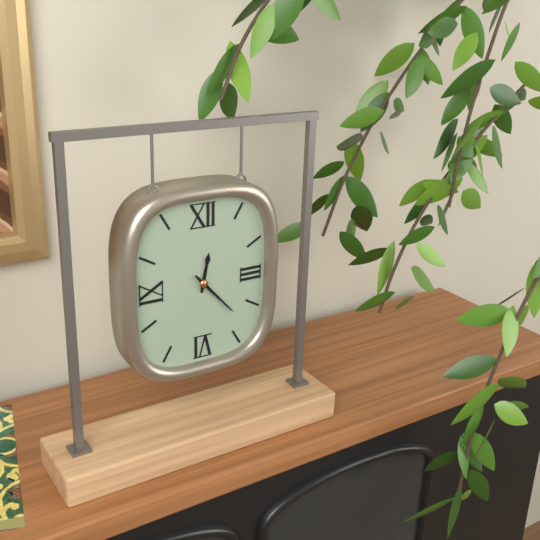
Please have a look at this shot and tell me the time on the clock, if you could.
12:23
